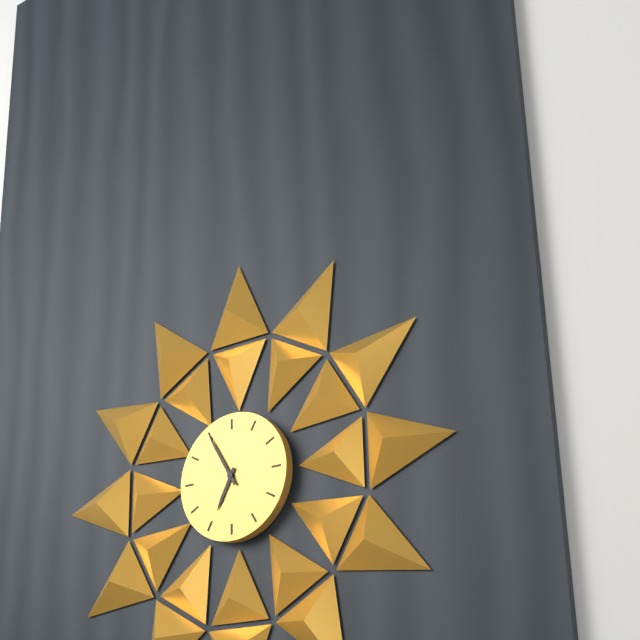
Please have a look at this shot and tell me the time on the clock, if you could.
6:55
